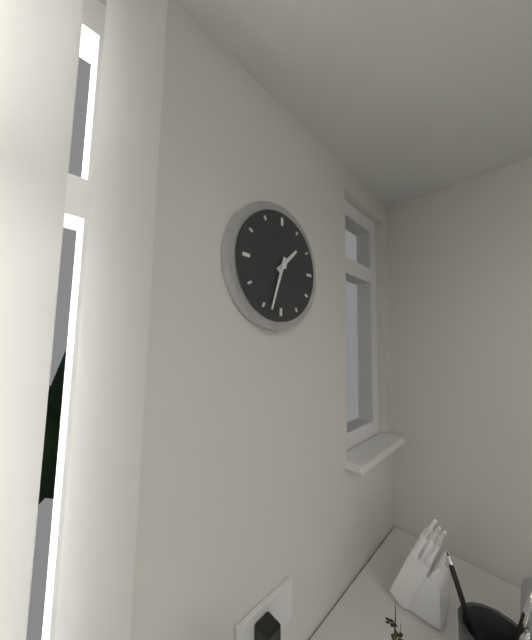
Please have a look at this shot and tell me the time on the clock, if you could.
1:33
